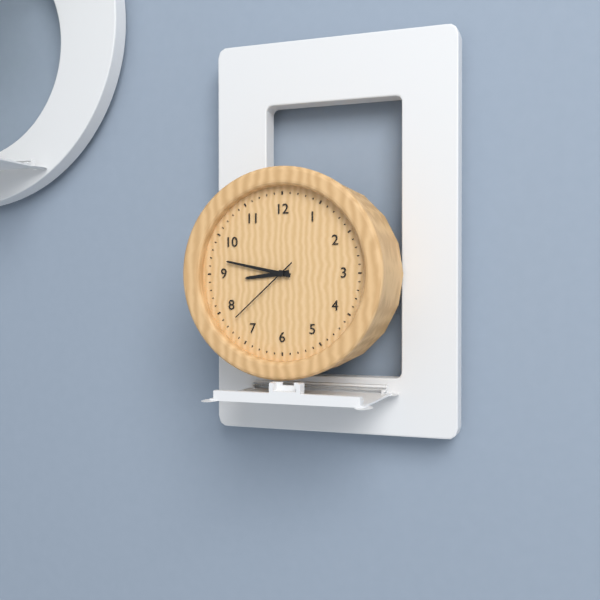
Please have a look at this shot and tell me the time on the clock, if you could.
8:47:38
